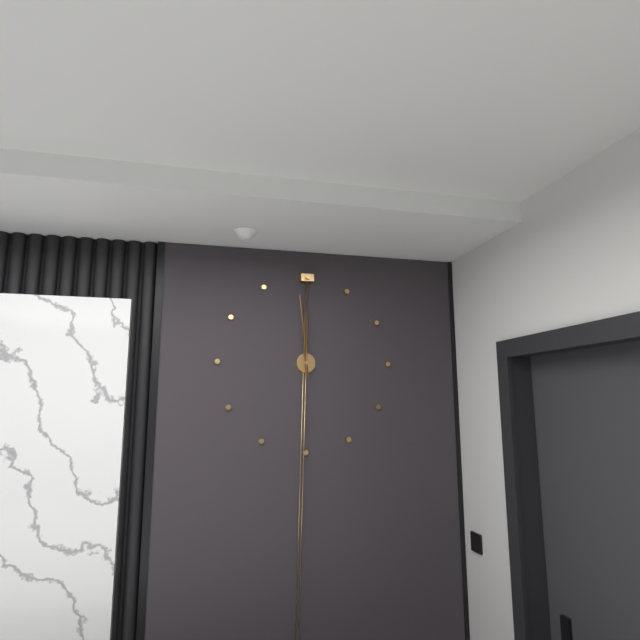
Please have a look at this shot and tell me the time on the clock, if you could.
11:59
